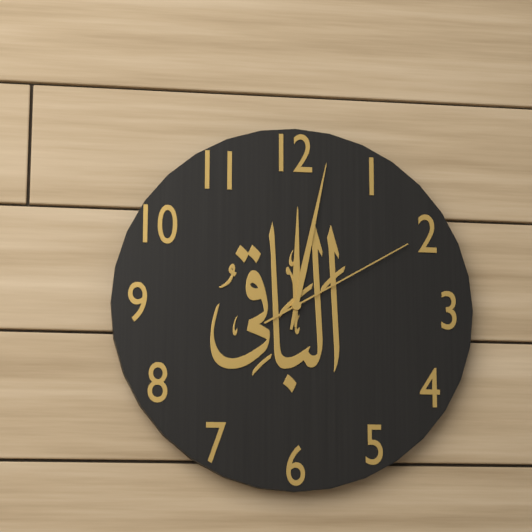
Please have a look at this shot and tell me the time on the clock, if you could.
12:02:10
